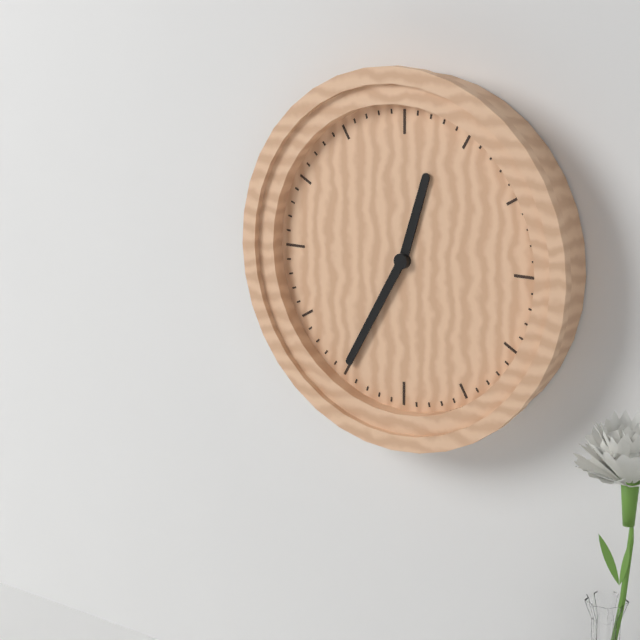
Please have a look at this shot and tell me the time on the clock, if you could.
12:35
